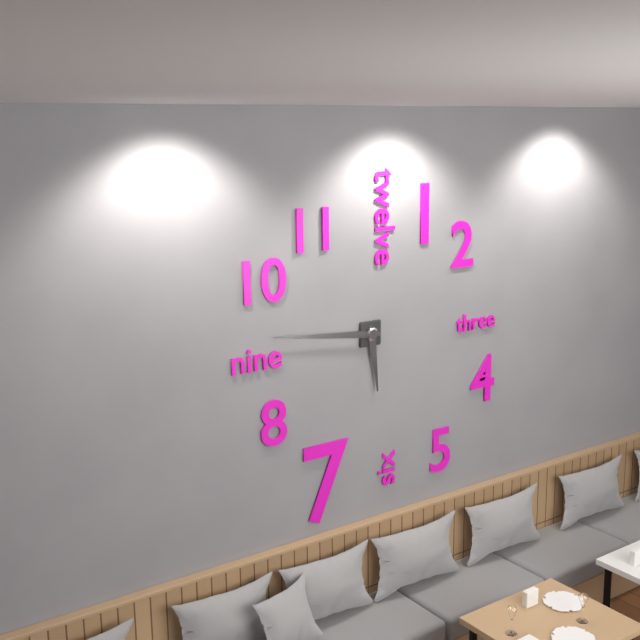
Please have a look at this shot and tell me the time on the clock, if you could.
5:46
